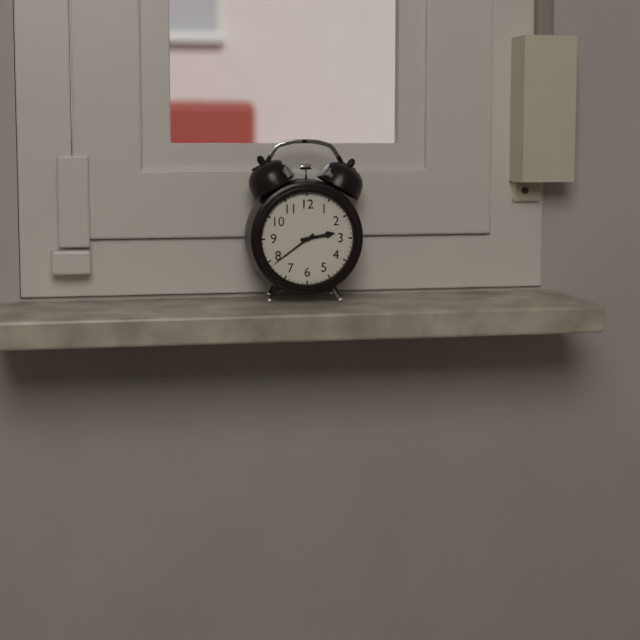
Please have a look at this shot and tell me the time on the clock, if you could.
2:39
